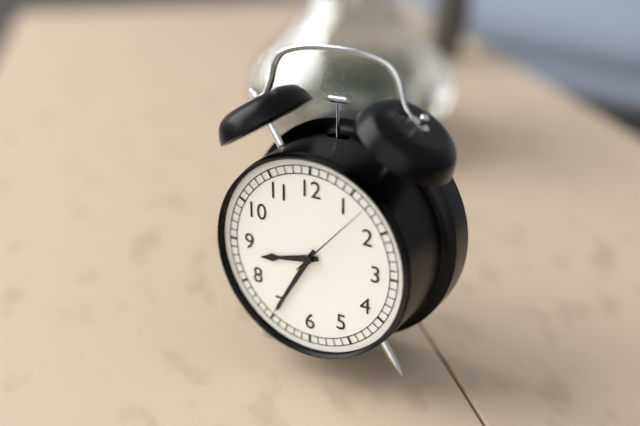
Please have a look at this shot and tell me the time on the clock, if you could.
8:35:07
